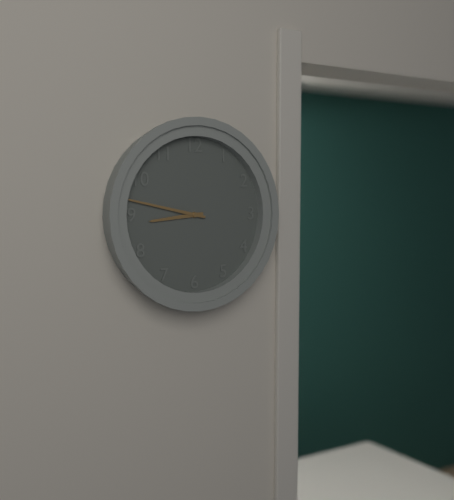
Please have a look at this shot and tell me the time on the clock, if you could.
8:47
